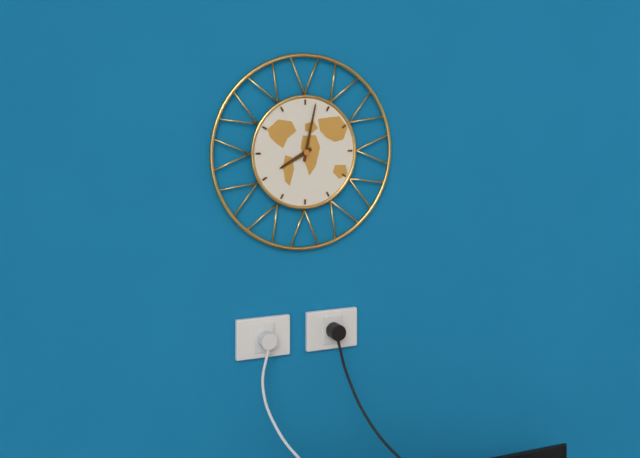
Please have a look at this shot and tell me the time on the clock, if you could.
8:02
